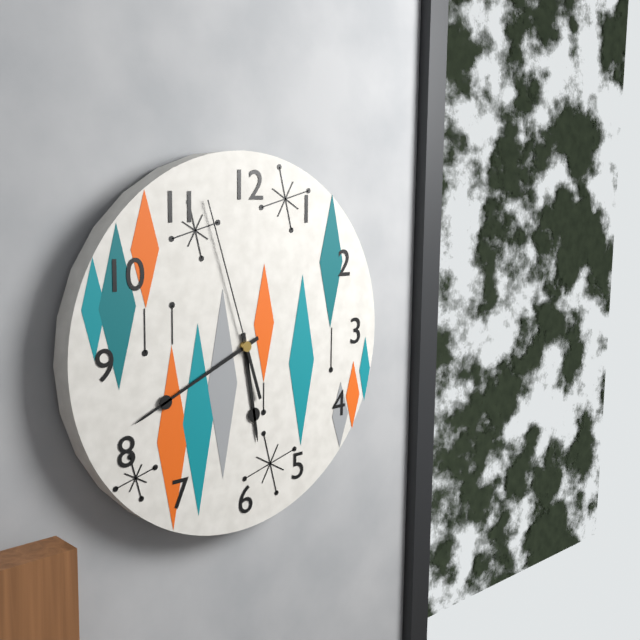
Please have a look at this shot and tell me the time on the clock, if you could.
5:41:57
